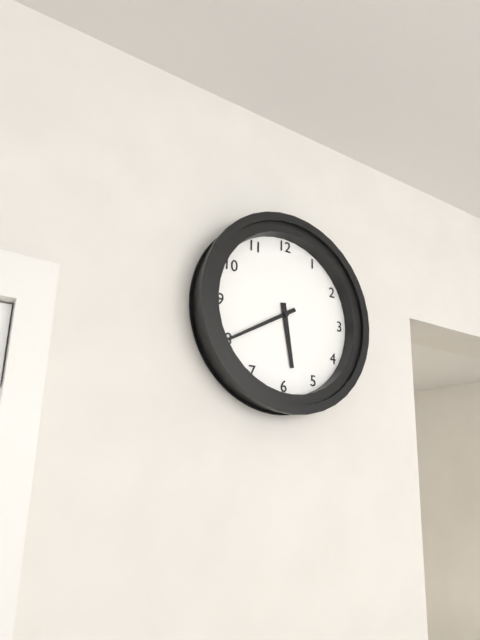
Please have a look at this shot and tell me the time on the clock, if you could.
5:40
